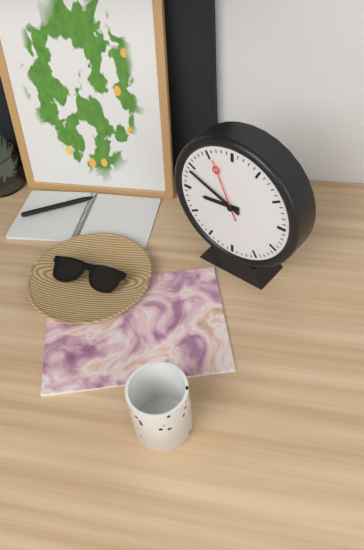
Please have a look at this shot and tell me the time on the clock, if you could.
8:49:56
